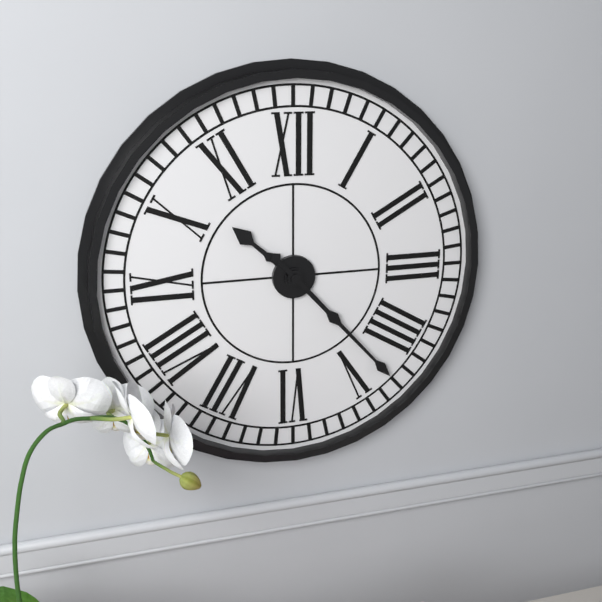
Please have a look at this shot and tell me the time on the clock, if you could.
10:23
